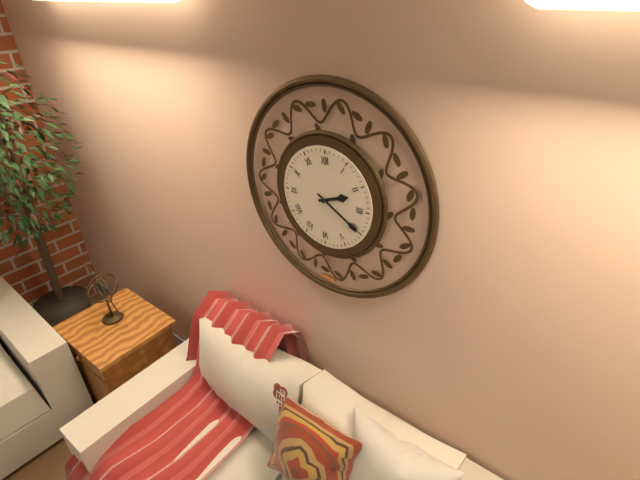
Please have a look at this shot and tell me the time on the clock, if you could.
2:20
